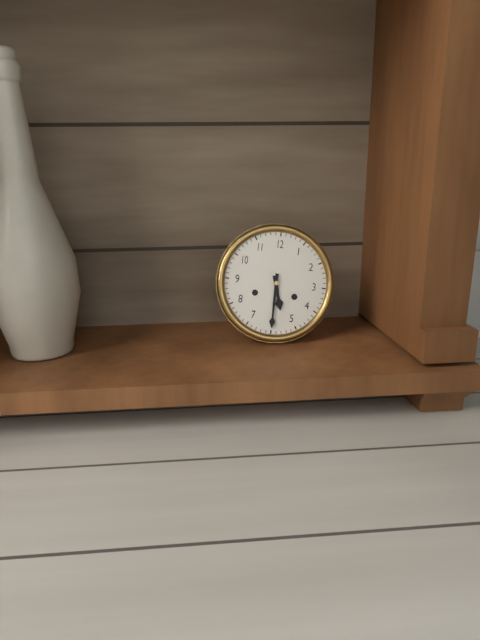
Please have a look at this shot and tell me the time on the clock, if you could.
5:30
